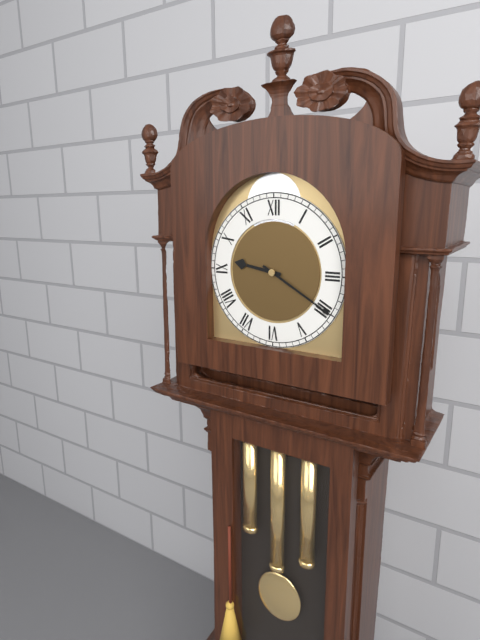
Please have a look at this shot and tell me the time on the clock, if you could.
9:20
